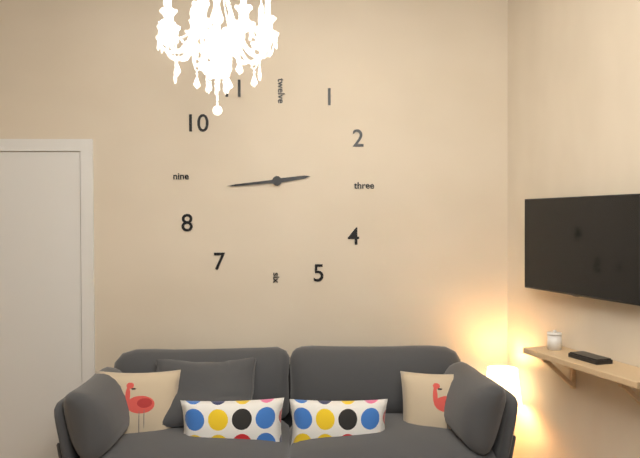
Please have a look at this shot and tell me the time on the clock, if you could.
2:44
